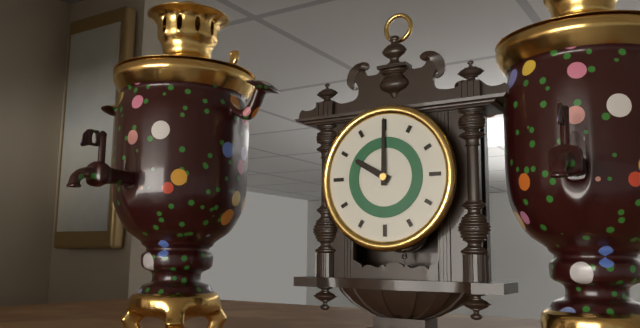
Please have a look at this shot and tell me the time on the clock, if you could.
10:00
